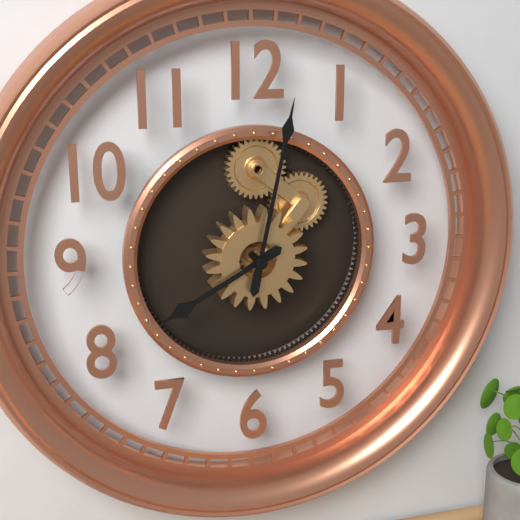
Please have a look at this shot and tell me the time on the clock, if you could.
8:02
